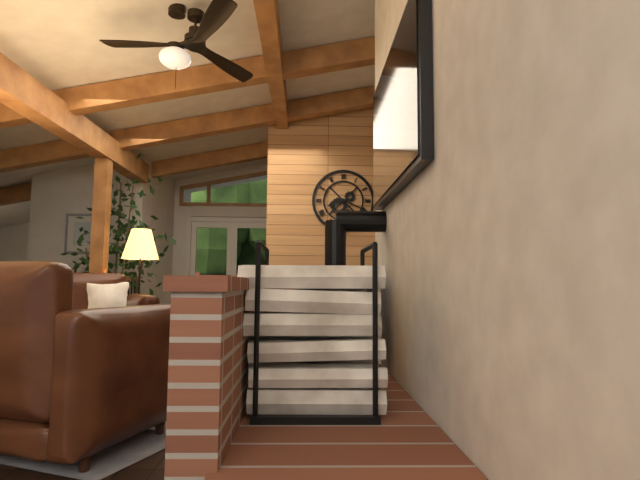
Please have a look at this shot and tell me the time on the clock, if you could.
8:19
